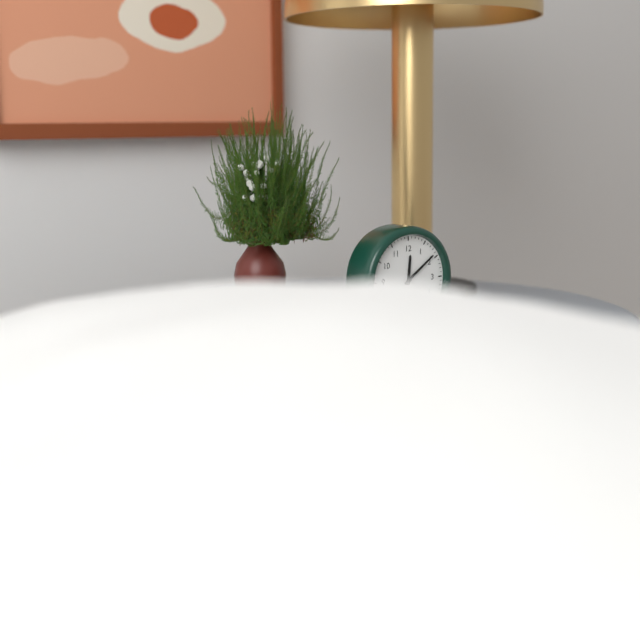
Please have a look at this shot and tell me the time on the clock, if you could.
12:09
